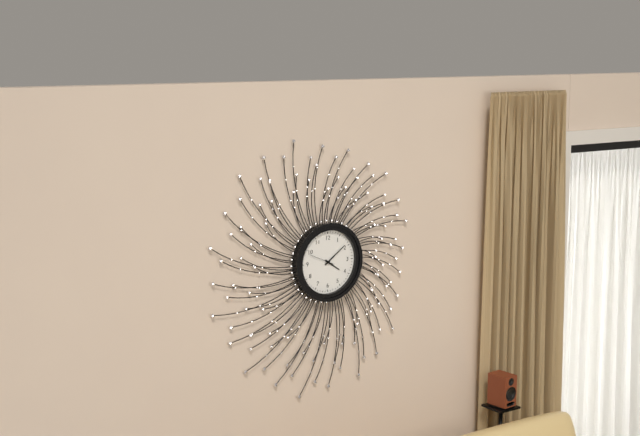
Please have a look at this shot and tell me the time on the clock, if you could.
4:09
